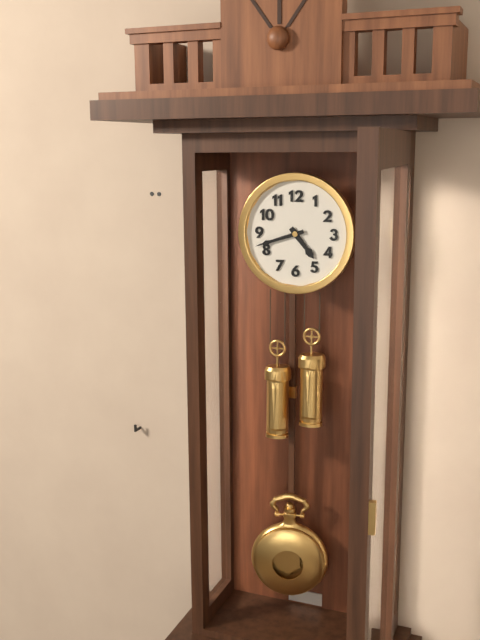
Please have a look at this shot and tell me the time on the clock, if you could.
4:42
